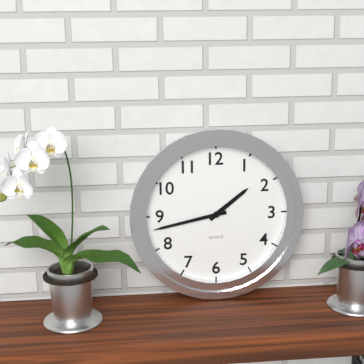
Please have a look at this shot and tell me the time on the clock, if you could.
1:43
